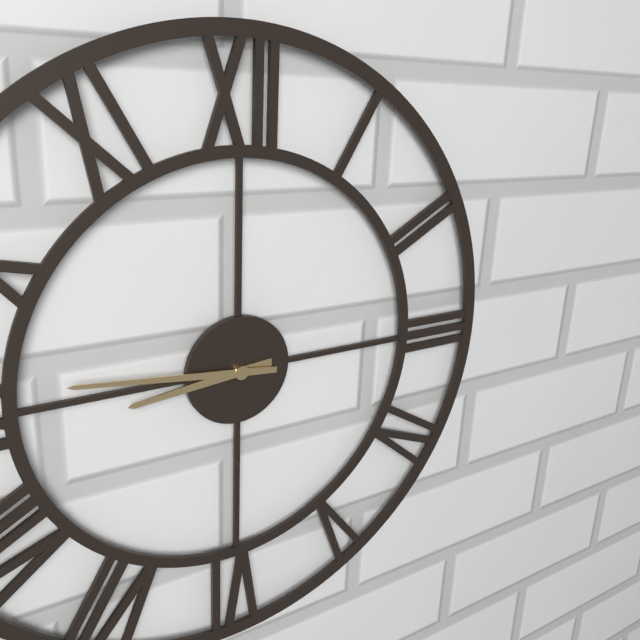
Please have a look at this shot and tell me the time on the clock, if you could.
8:46
